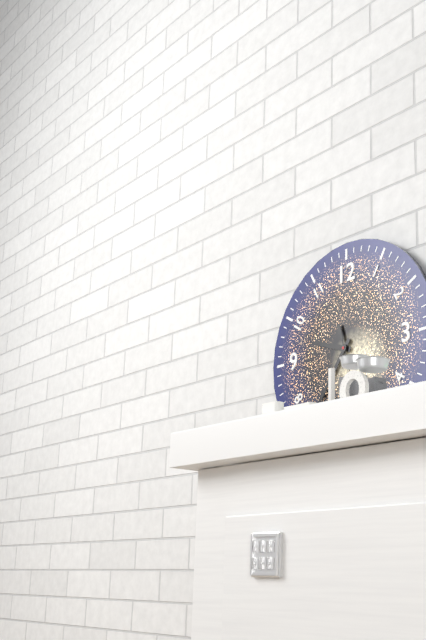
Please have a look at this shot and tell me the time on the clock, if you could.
9:36
